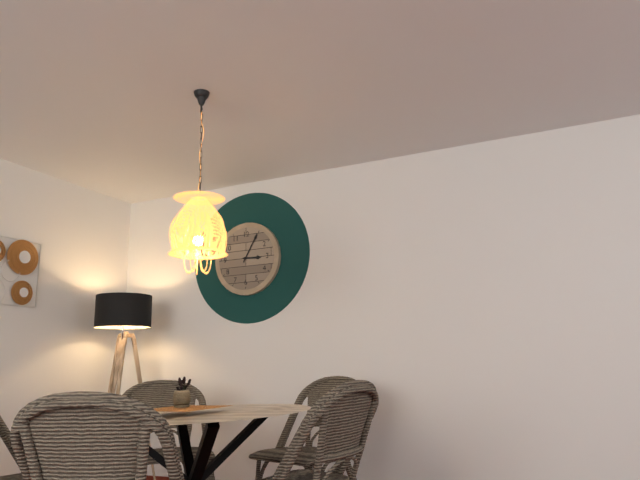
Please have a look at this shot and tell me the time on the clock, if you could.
3:05
